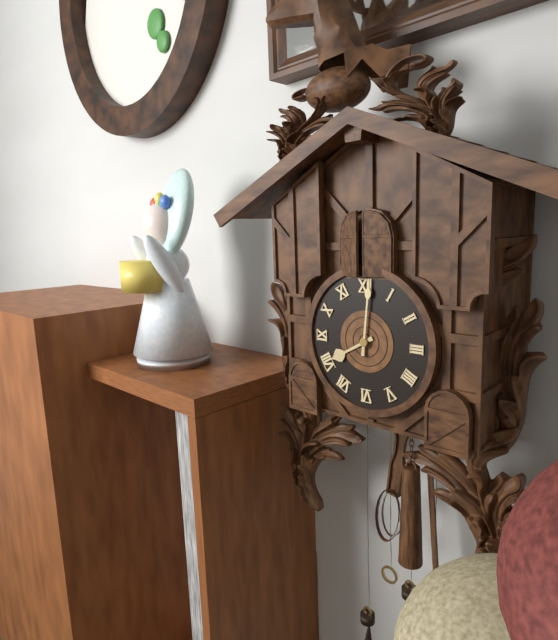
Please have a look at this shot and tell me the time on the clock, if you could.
8:01
